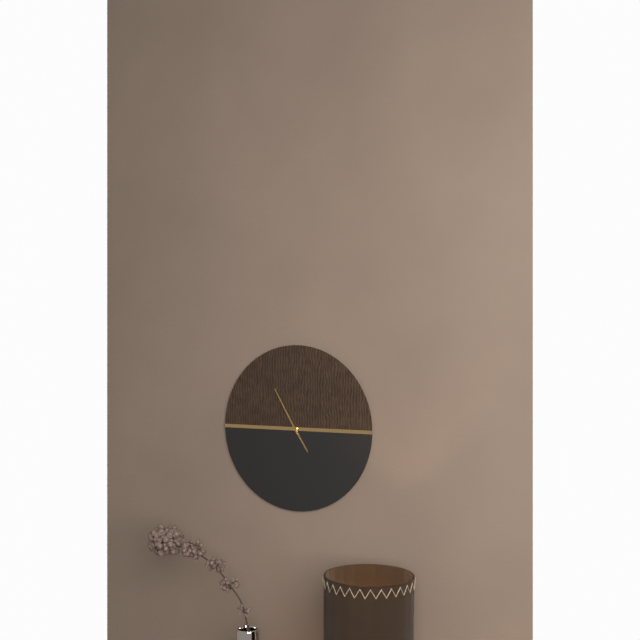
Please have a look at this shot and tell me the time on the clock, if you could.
4:55
